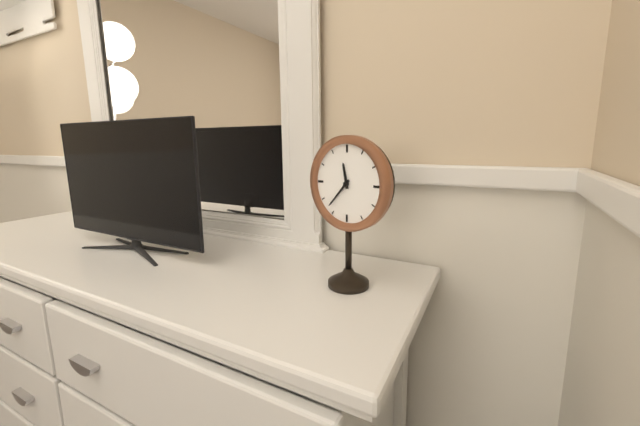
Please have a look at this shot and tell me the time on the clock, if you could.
11:37
